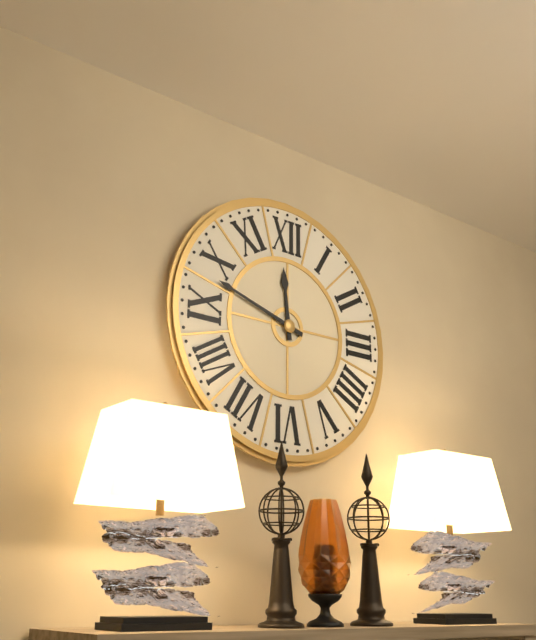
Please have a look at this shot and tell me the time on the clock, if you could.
11:48
